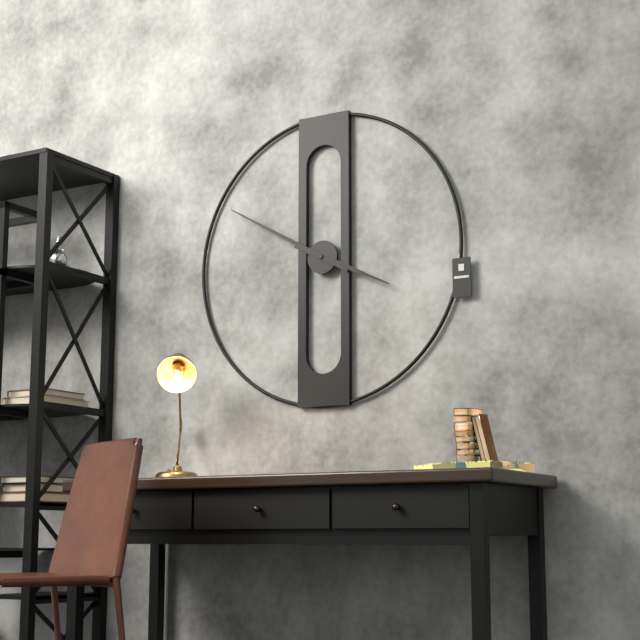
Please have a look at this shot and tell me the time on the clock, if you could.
3:50
